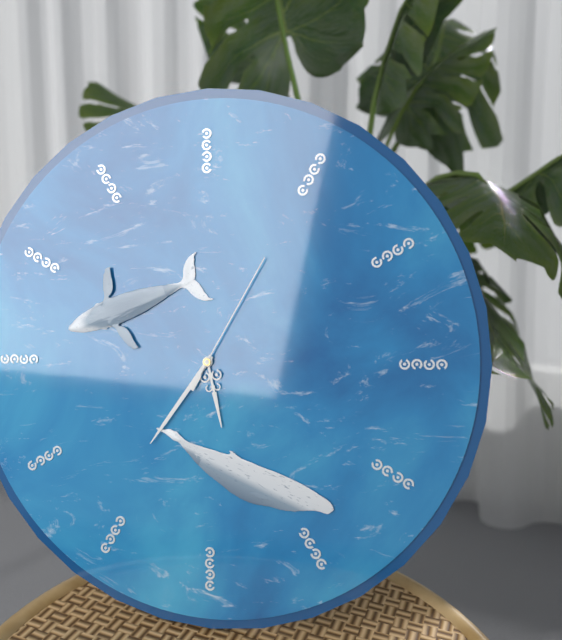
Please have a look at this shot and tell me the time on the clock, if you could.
5:36:05
